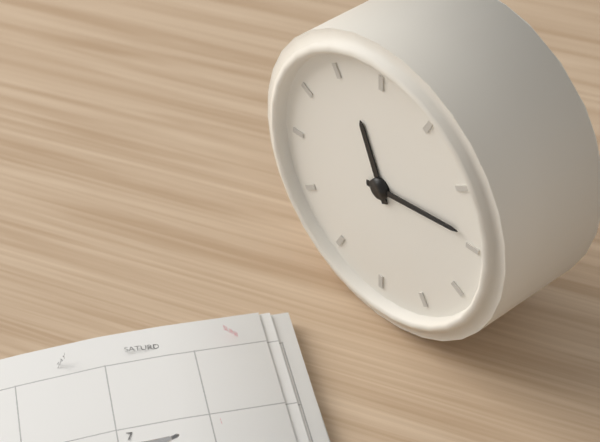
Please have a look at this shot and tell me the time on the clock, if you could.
11:14
